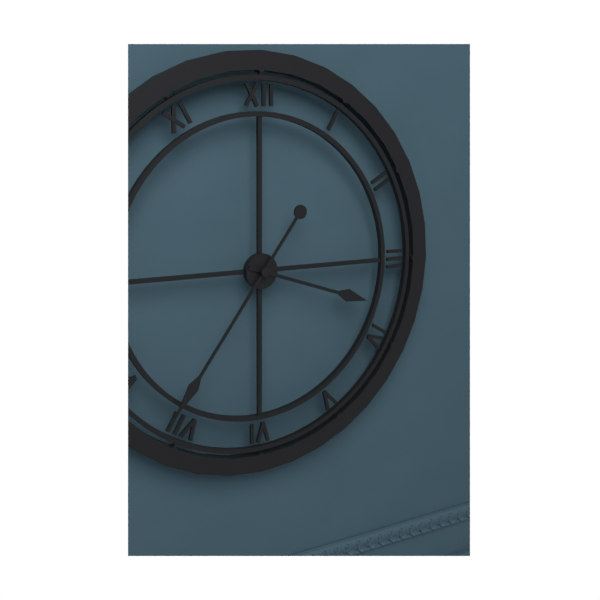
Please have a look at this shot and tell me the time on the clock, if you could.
3:36
